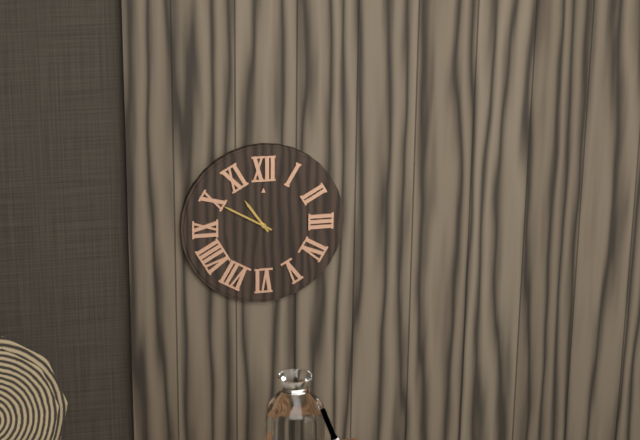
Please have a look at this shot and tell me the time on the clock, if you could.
10:50
